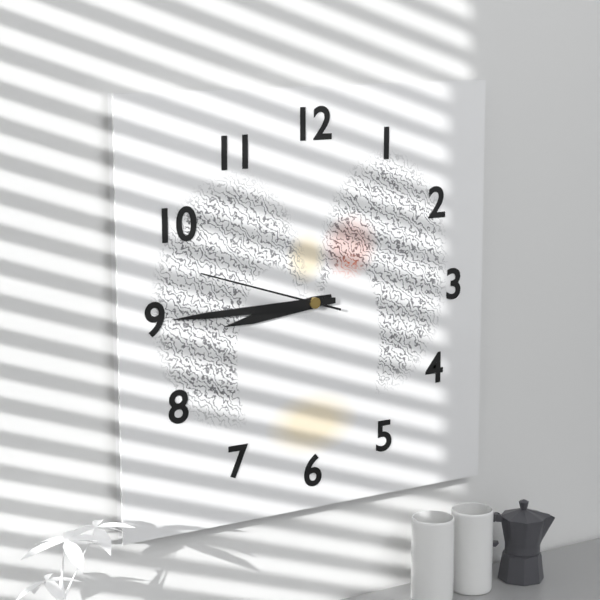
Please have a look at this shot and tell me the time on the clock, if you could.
8:45:48
